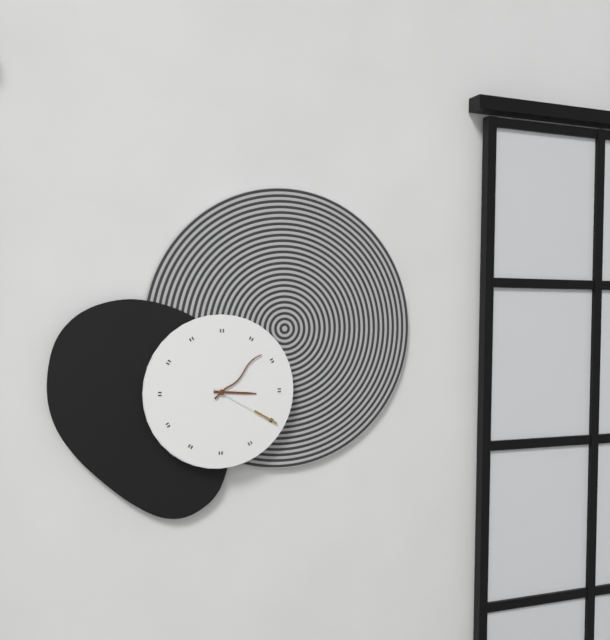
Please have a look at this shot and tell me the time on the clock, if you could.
3:08:20
